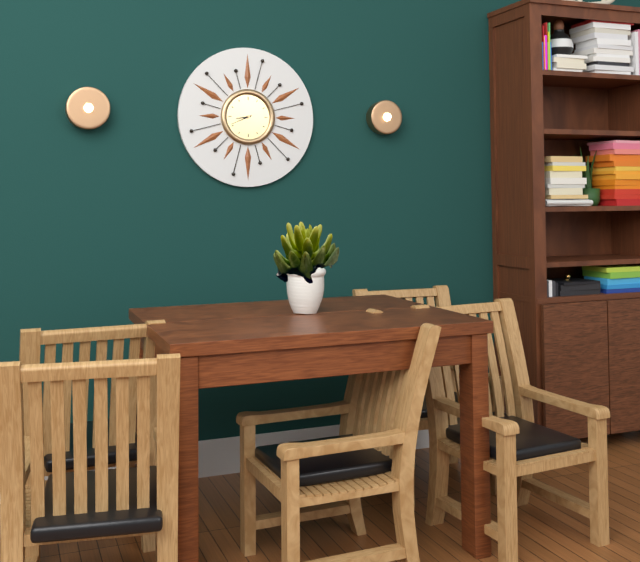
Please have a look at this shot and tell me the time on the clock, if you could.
8:41
